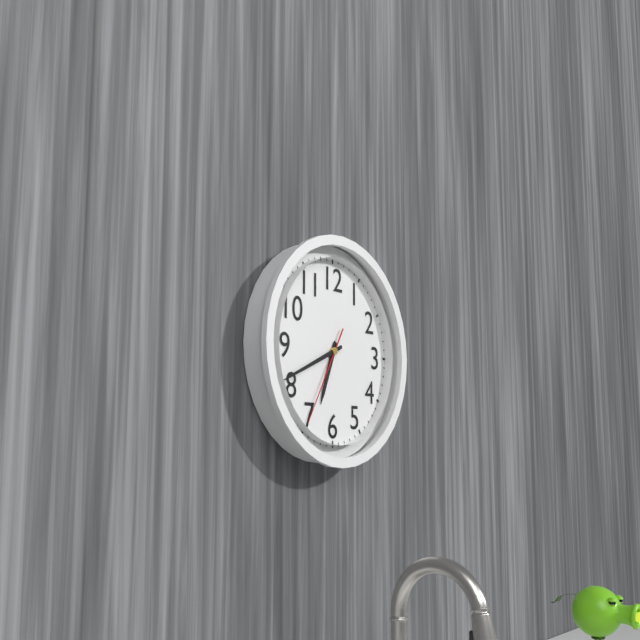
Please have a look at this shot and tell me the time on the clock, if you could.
6:41:35
